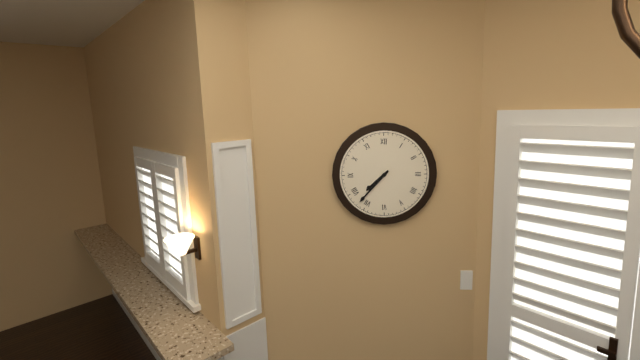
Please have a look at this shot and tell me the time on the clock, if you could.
7:37
